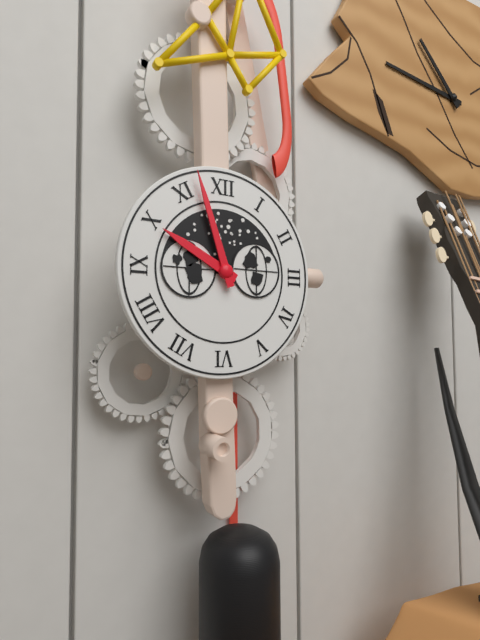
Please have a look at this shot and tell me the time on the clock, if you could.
9:57
